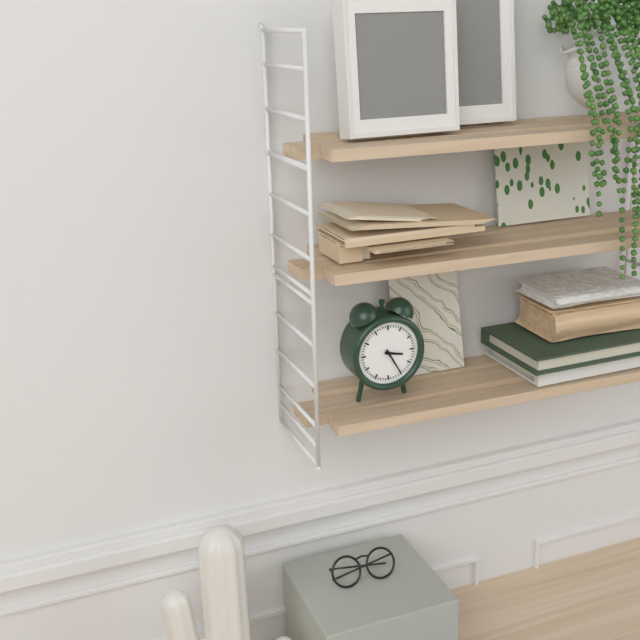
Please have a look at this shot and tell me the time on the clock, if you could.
3:25
